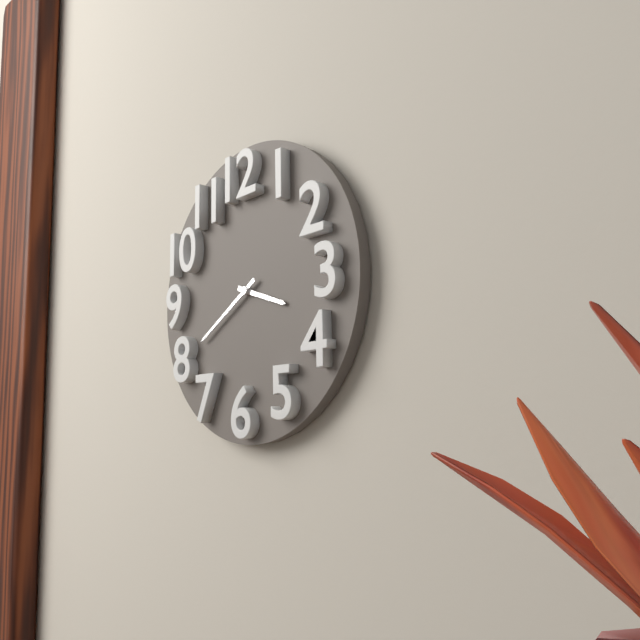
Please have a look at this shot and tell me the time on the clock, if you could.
3:40
